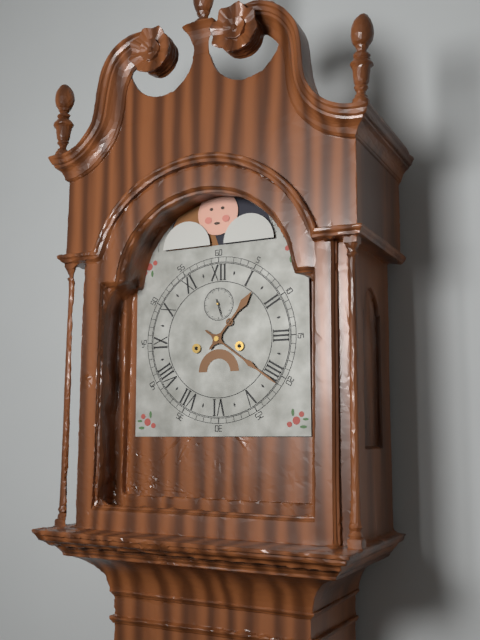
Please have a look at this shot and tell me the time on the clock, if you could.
1:21
